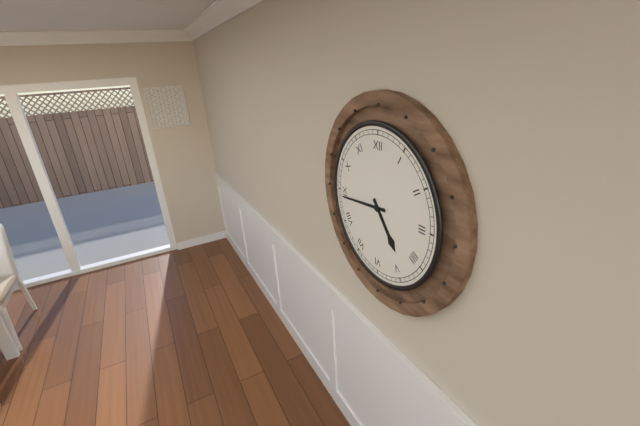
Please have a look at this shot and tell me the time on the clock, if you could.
4:44
